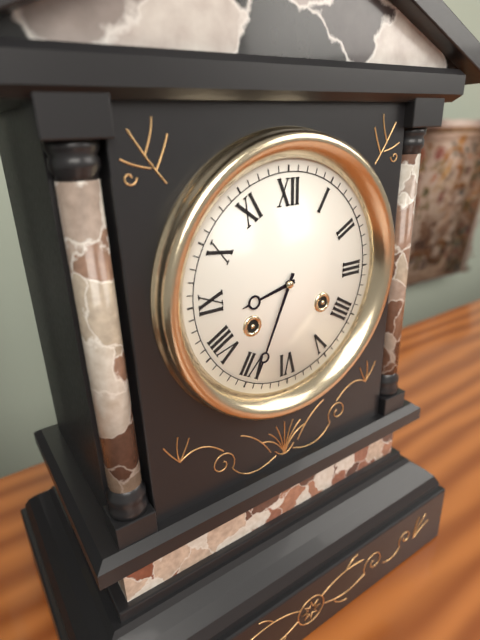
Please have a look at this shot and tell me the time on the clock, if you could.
8:34
